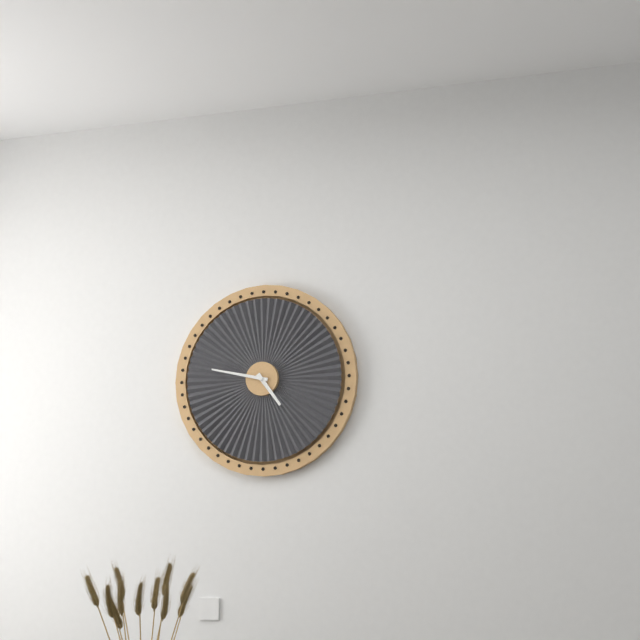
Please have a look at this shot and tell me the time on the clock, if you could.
4:47
